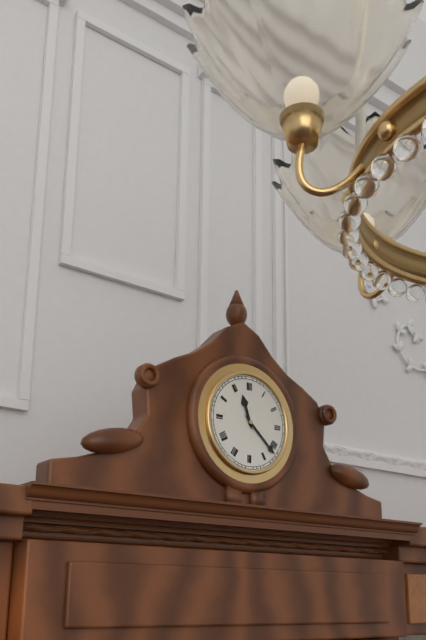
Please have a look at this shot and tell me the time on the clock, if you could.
11:22
